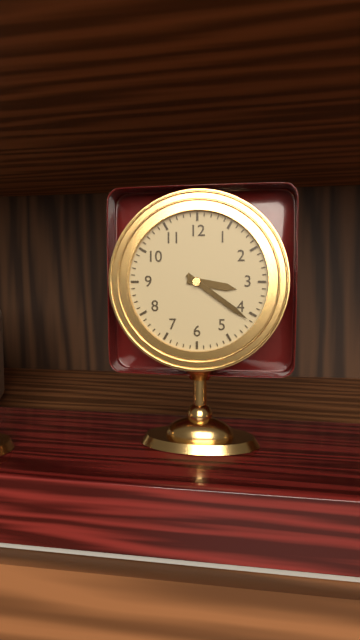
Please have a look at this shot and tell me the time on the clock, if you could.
3:21
